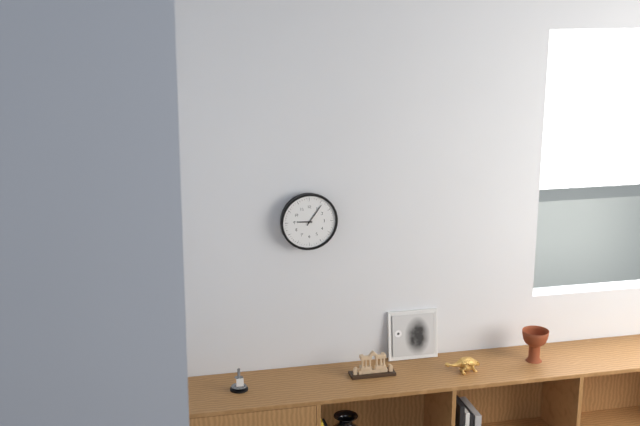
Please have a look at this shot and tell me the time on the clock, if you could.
9:06
